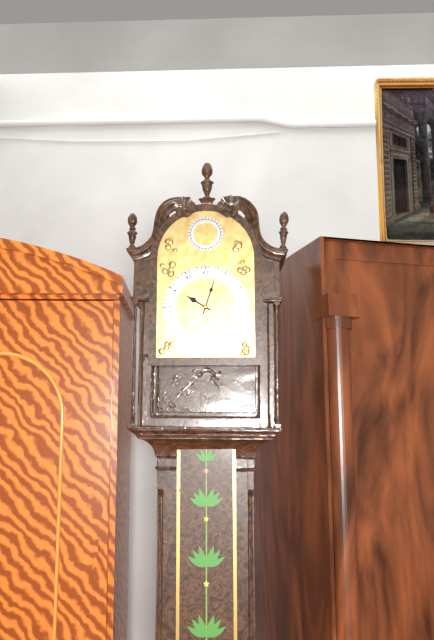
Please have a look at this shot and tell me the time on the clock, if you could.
10:03
